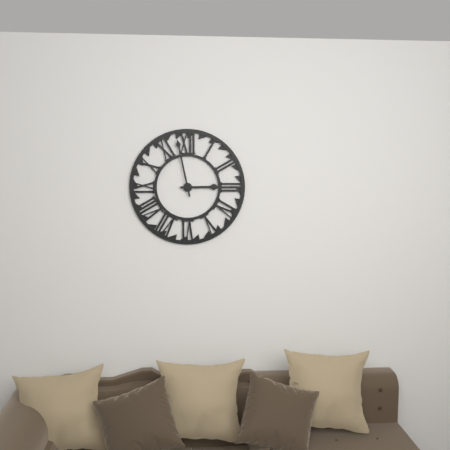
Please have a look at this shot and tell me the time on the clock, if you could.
2:58
